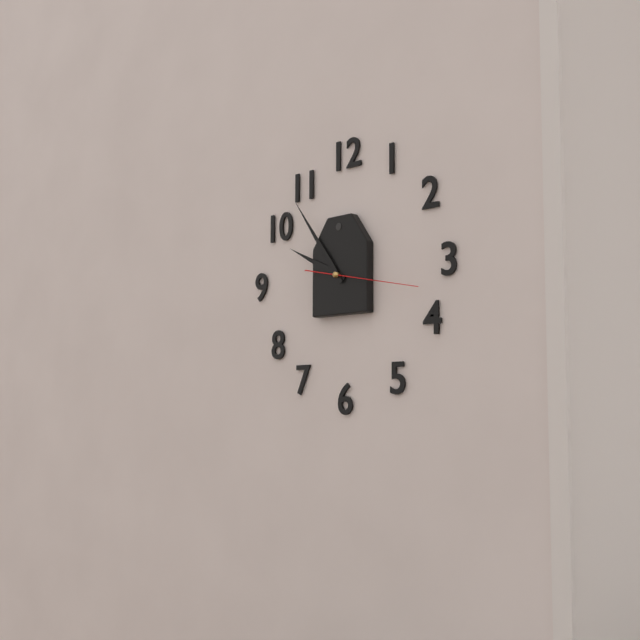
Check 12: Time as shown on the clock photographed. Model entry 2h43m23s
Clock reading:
9h54m17s
